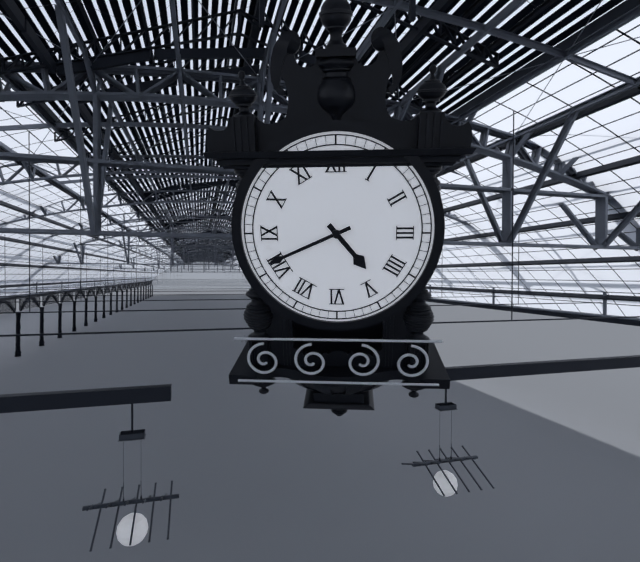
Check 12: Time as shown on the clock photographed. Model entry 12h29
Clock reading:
4h41
